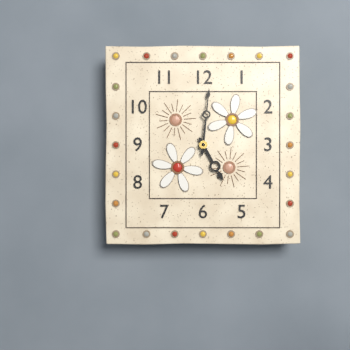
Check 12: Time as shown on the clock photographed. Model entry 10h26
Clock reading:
5h01
